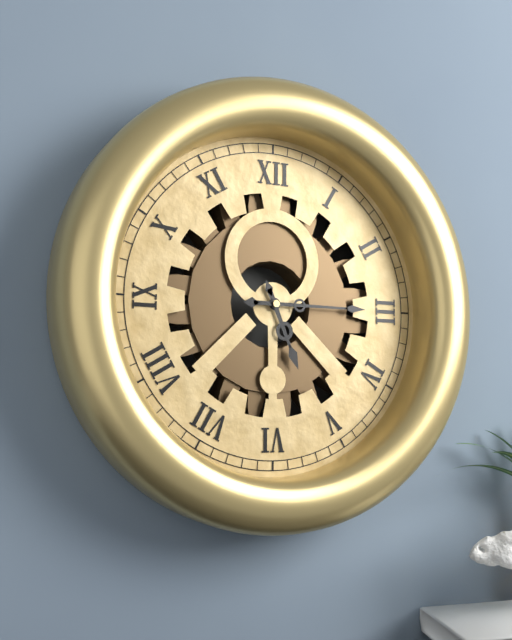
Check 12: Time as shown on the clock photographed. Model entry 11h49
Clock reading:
5h15
